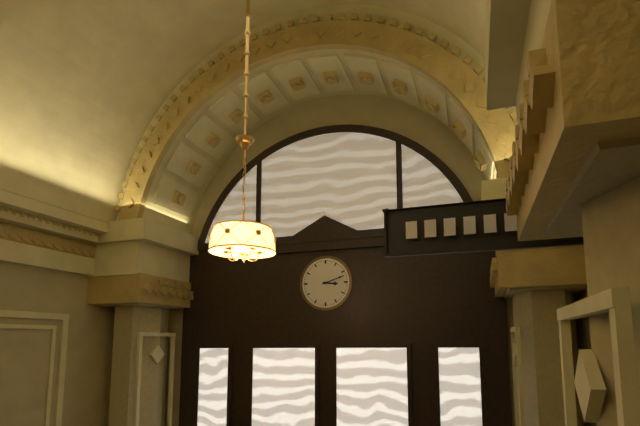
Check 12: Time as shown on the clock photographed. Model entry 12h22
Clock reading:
3h12
